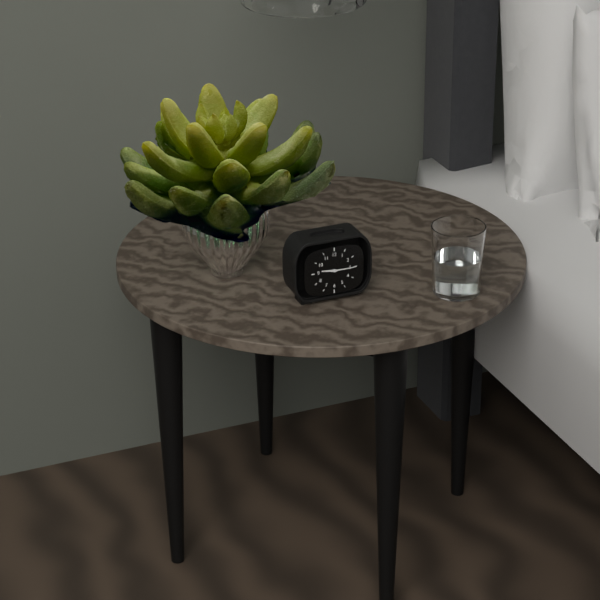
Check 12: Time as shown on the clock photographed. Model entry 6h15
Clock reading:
9h15
